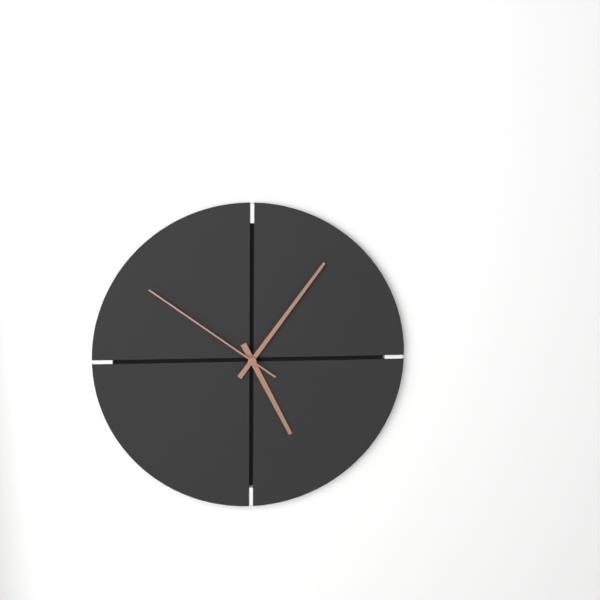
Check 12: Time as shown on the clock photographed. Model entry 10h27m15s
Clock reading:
5h06m51s
